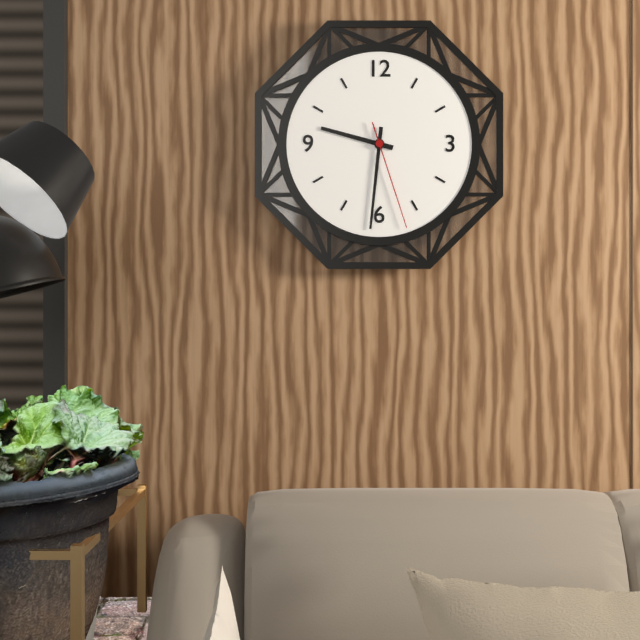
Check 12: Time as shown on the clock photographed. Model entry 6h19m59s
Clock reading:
9h31m27s
